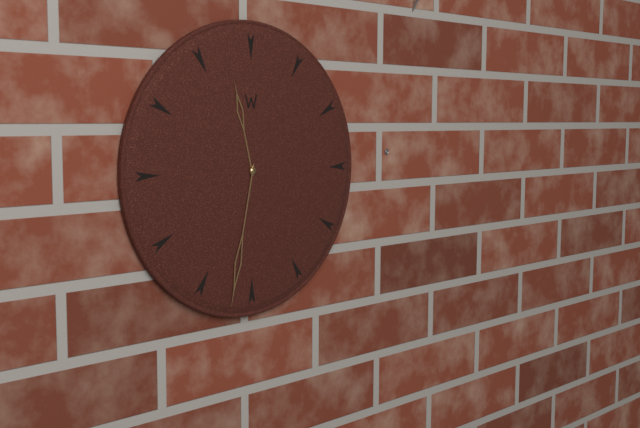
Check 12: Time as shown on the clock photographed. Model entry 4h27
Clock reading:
11h32
